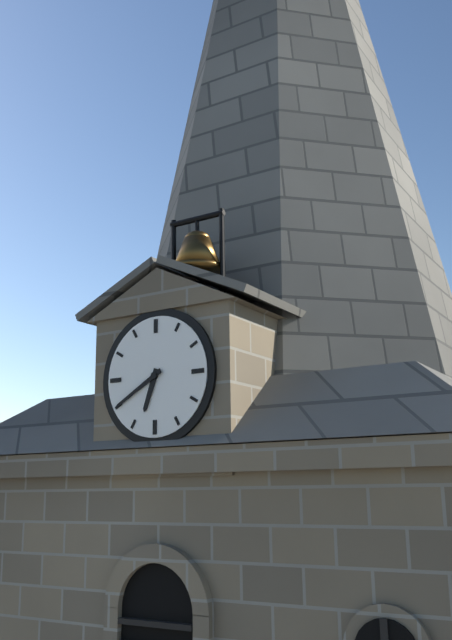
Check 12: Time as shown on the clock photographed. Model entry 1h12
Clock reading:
6h40
